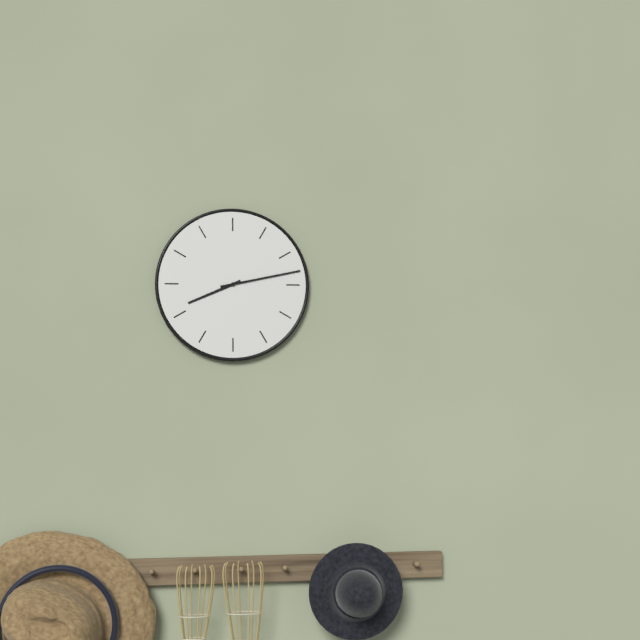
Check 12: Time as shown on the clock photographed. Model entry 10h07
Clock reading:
8h13
